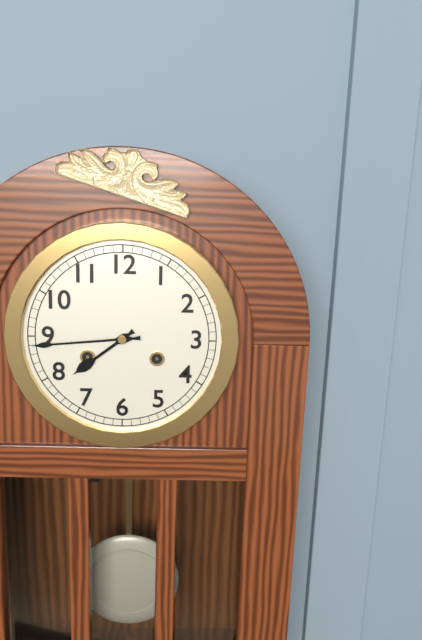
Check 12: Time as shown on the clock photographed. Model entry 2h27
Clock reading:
7h44
